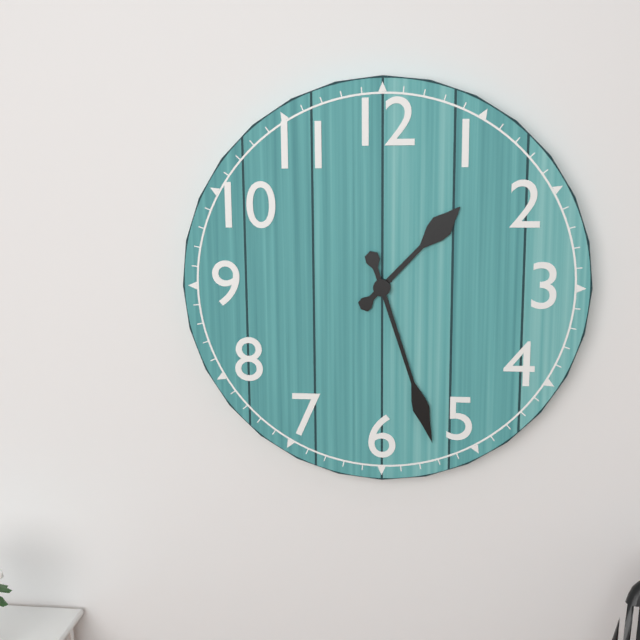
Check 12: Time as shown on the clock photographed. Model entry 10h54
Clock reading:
1h27
